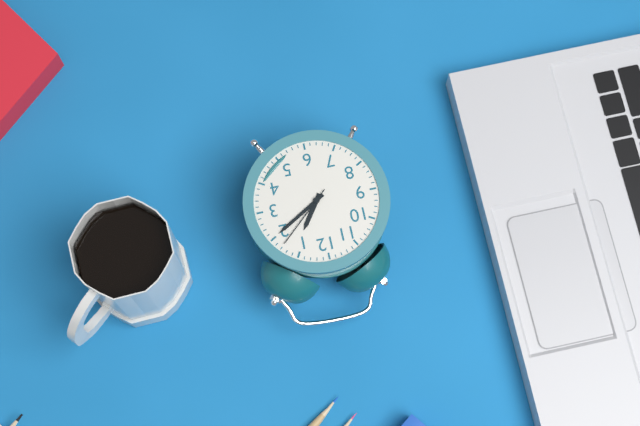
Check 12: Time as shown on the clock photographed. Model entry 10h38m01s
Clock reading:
1h10m08s
